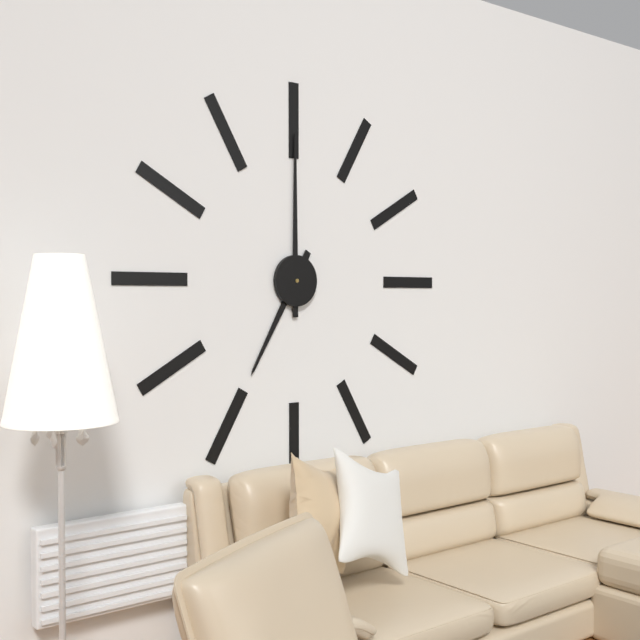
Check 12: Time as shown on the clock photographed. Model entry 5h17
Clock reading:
7h00
